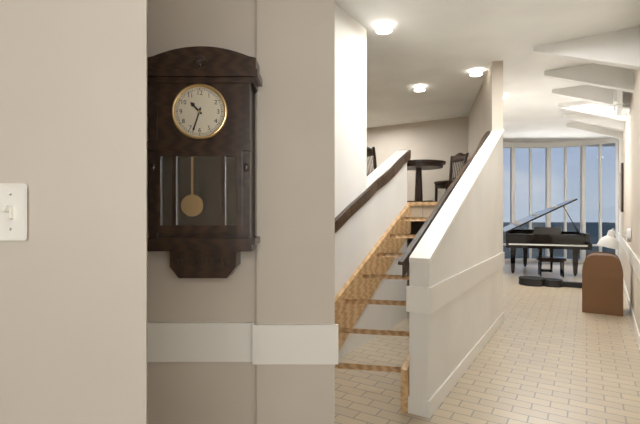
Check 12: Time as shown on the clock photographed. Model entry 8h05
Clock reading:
10h33
